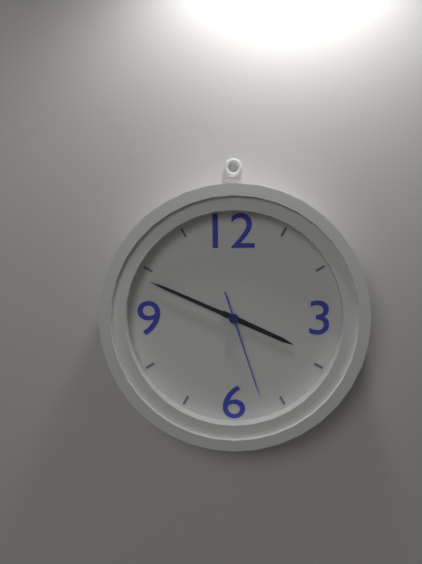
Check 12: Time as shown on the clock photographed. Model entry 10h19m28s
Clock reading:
3h49m27s
